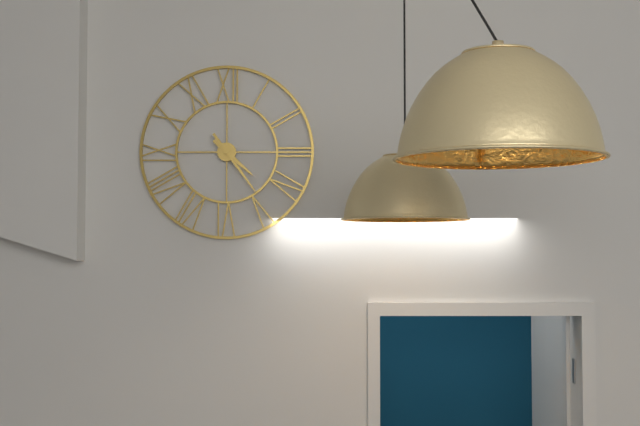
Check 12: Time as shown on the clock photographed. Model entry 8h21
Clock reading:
4h24
